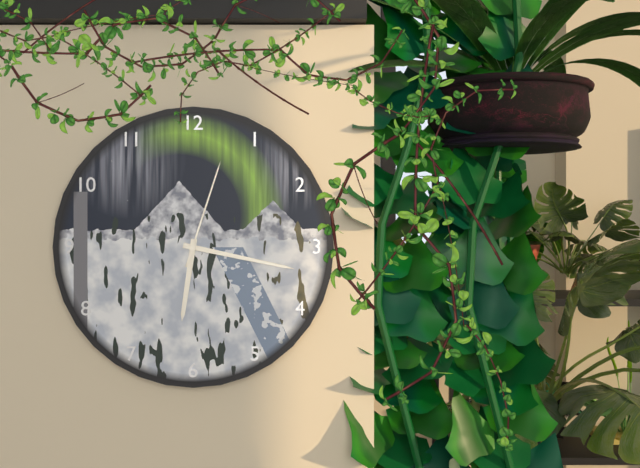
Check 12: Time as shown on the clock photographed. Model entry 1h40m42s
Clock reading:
6h17m03s
